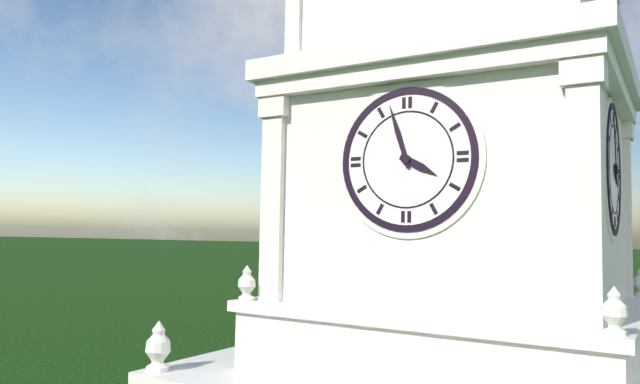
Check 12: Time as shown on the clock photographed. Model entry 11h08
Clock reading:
3h57
